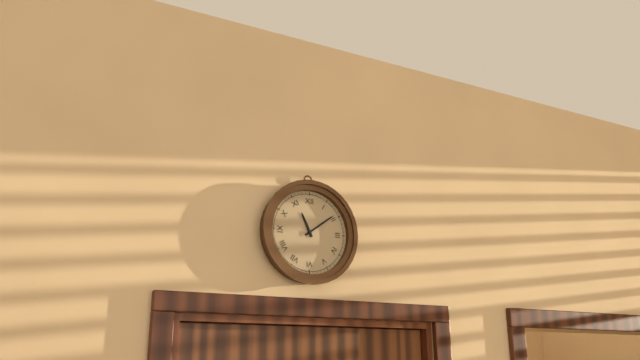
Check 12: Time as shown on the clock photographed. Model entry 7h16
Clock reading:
11h09
